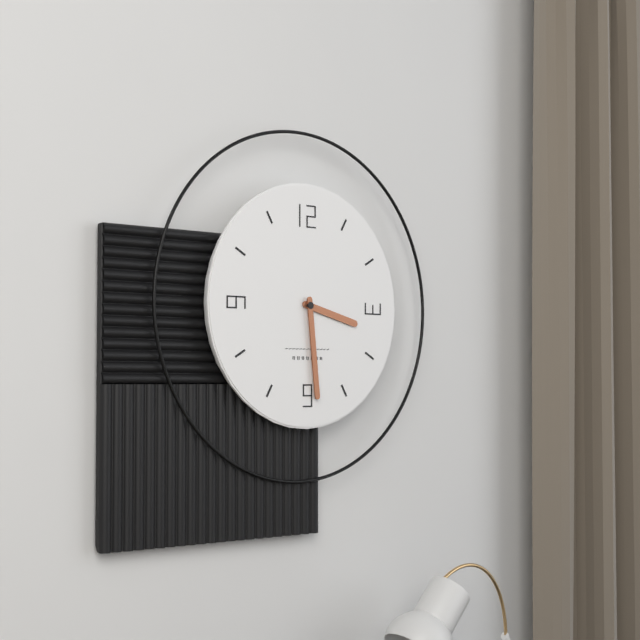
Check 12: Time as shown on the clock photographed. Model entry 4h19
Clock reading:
3h29
